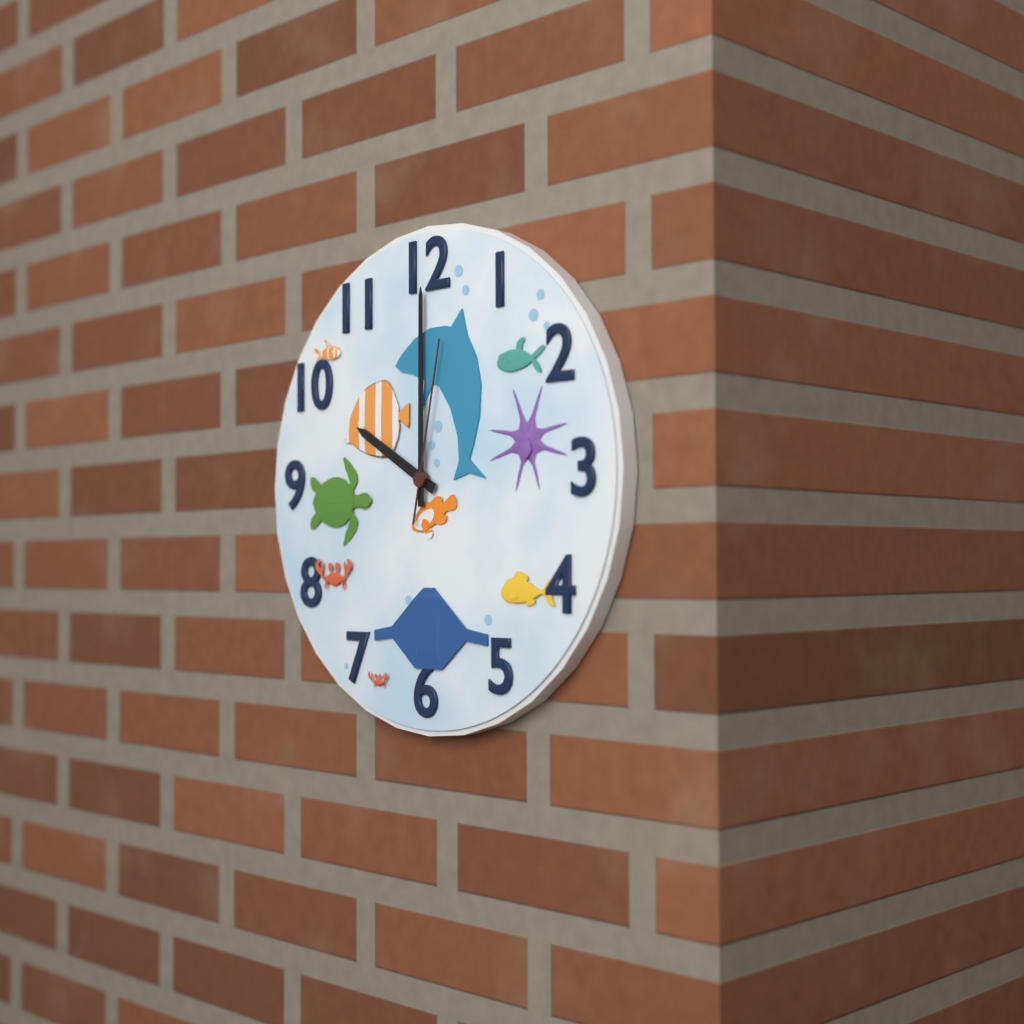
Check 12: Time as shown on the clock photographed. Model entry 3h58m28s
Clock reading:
10h00m02s
